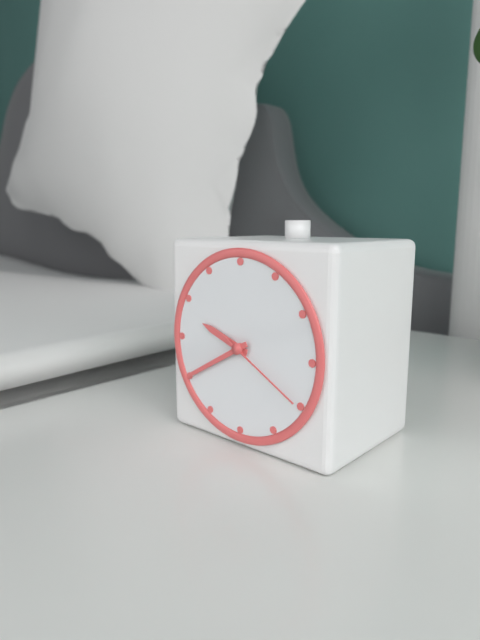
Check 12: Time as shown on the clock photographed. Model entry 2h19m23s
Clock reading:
9h40m20s
